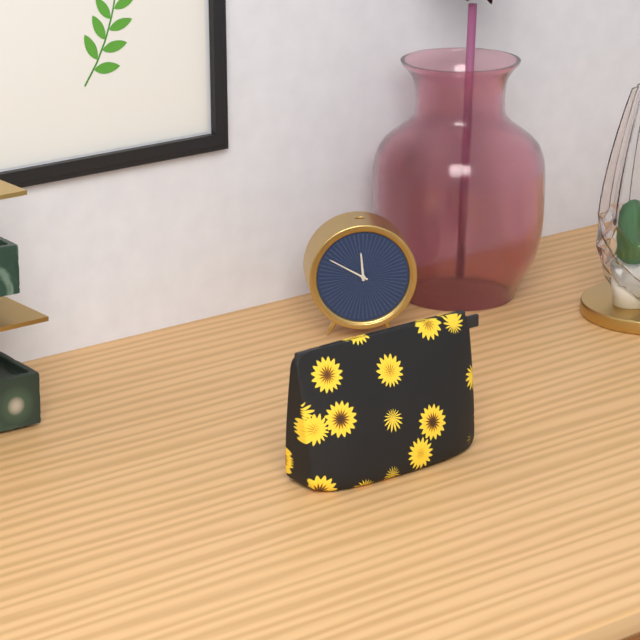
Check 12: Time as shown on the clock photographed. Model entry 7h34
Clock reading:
11h50
